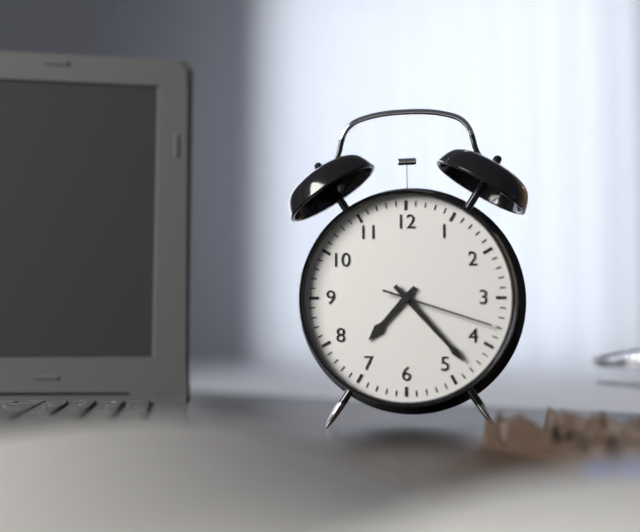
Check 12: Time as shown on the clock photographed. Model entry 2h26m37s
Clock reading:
7h23m18s
